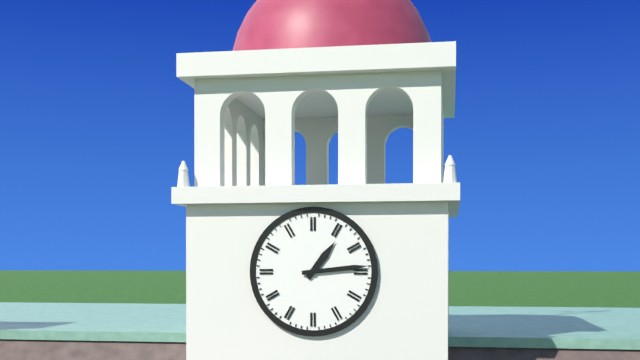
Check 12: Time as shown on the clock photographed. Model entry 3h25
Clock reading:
1h14
